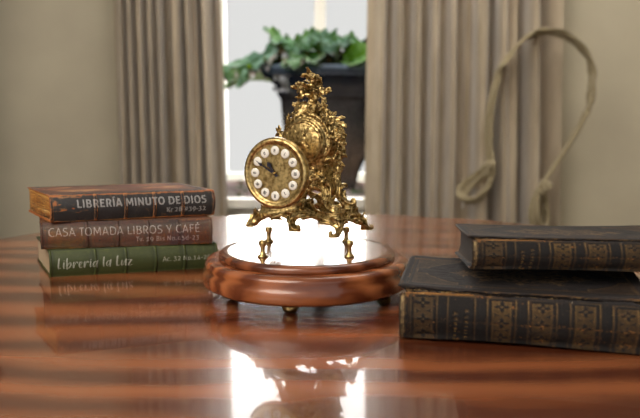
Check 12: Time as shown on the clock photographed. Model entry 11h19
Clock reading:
10h50
